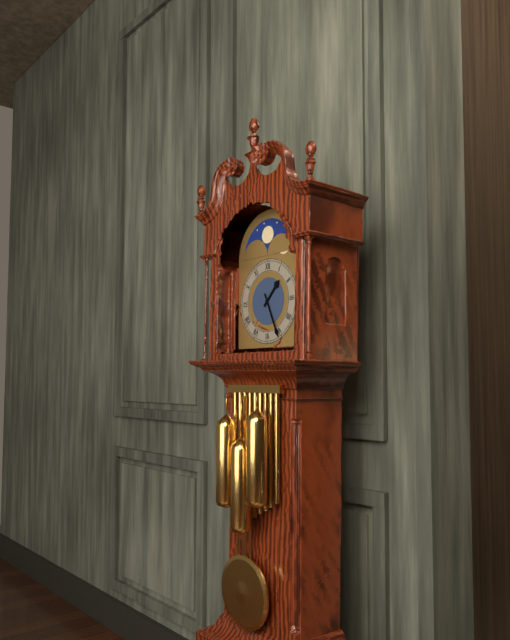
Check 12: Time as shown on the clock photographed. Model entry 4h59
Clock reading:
1h26
